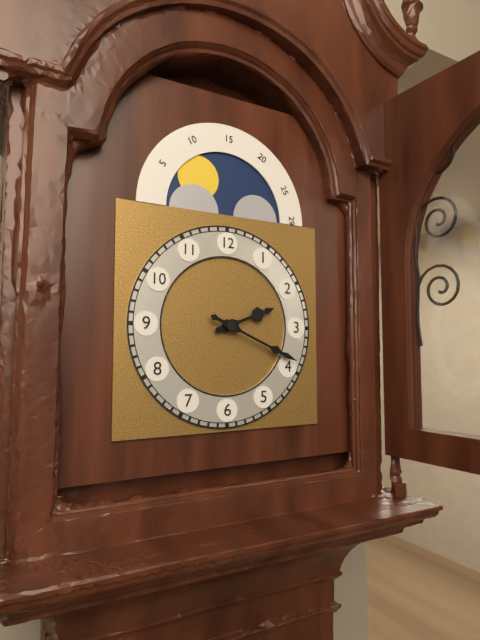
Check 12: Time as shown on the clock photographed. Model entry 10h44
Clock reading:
2h19
